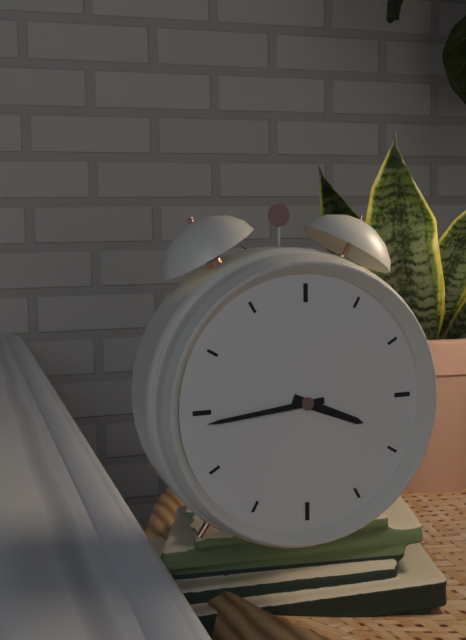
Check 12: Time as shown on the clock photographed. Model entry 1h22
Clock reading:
3h44
